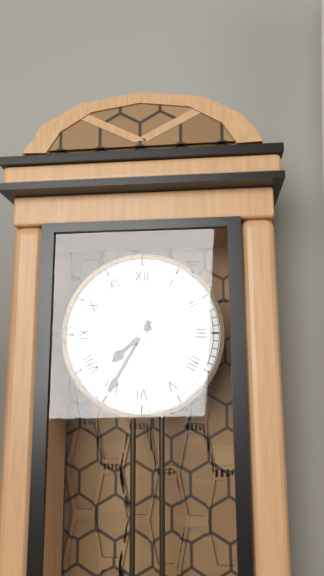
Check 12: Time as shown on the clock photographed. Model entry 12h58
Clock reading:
7h35
